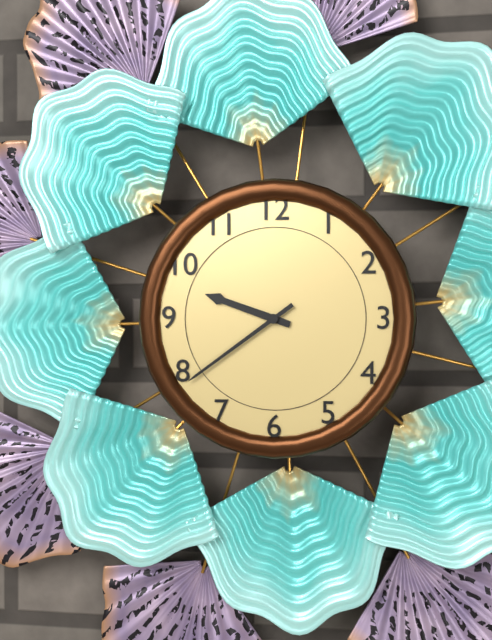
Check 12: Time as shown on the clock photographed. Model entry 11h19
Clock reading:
9h39
